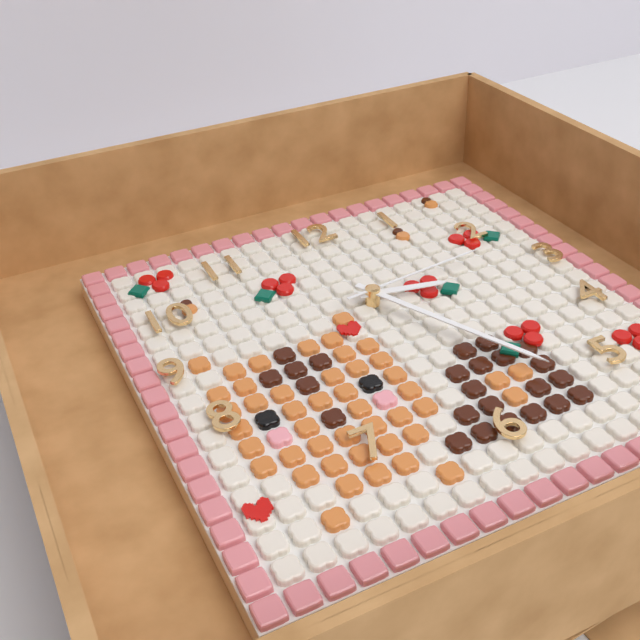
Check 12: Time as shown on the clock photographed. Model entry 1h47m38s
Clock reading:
3h26m14s
